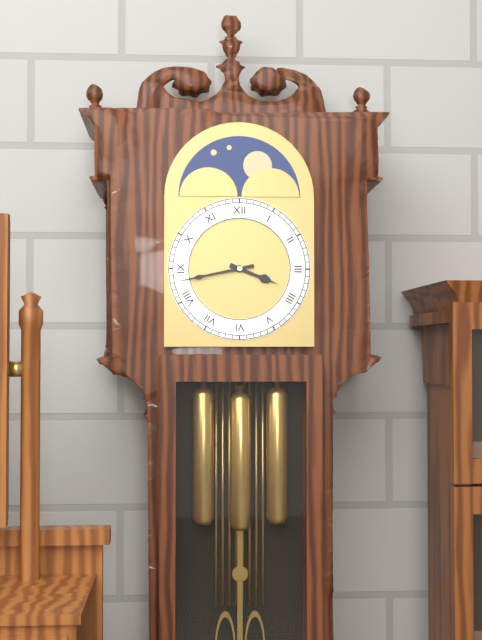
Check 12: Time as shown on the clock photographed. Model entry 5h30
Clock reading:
3h43
